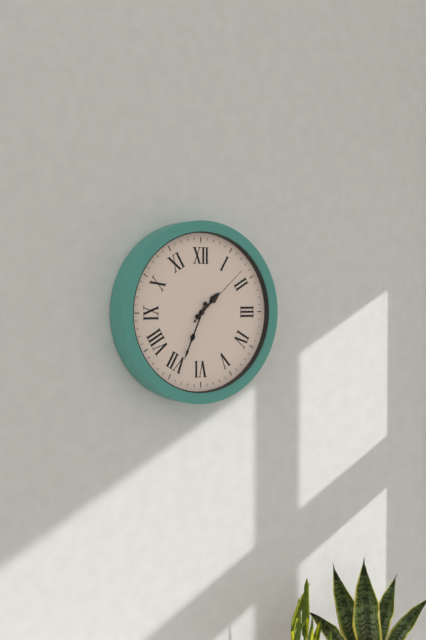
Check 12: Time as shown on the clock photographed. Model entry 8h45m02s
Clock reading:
1h34m08s
